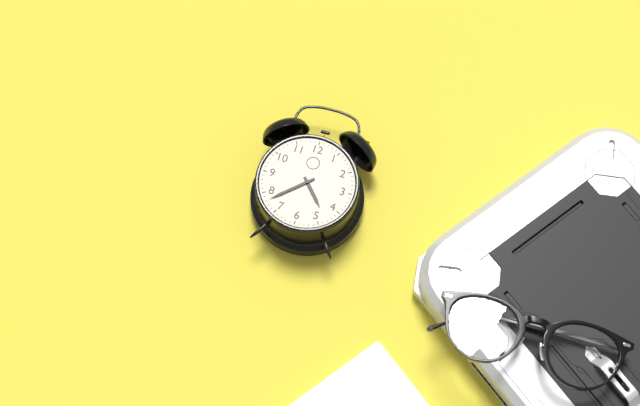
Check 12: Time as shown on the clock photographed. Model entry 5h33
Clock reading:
4h38
